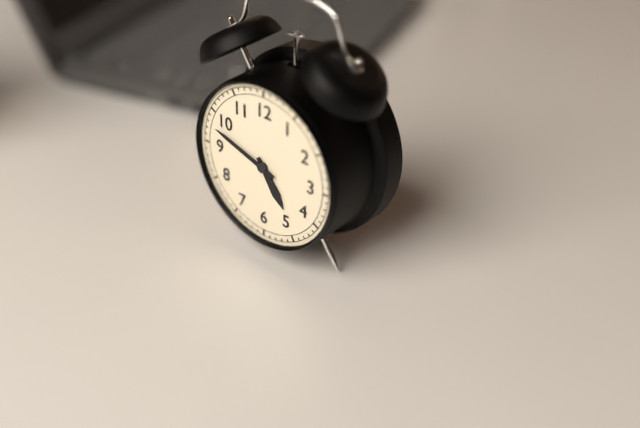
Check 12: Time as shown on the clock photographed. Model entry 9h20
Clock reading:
4h48
